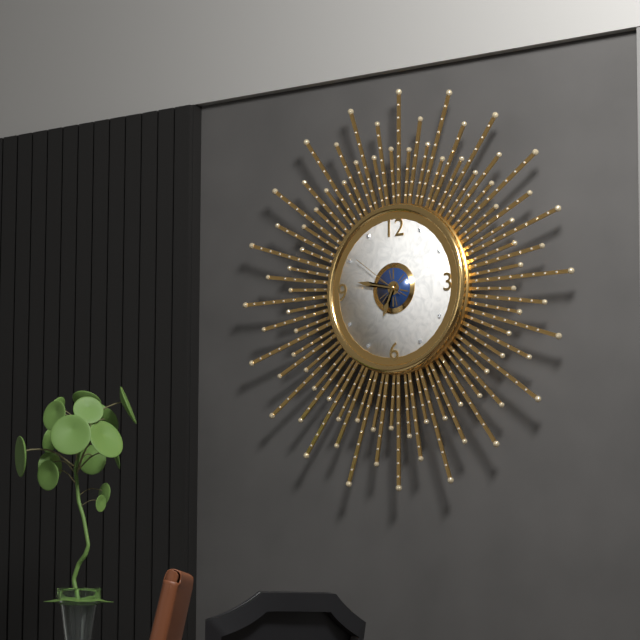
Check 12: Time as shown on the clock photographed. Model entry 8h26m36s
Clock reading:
6h47m51s
